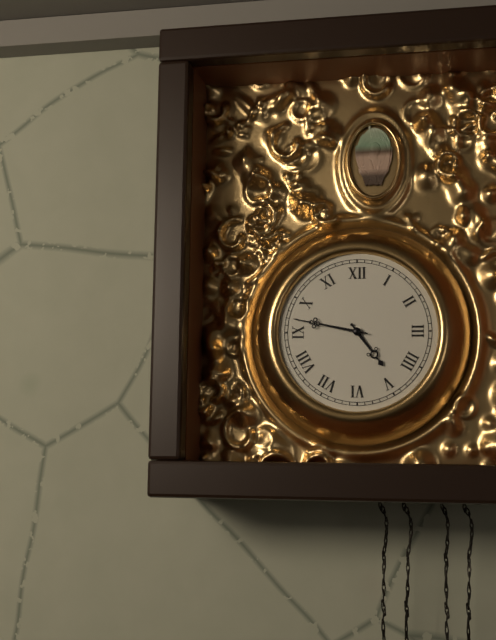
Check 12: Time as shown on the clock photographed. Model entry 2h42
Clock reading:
4h47
